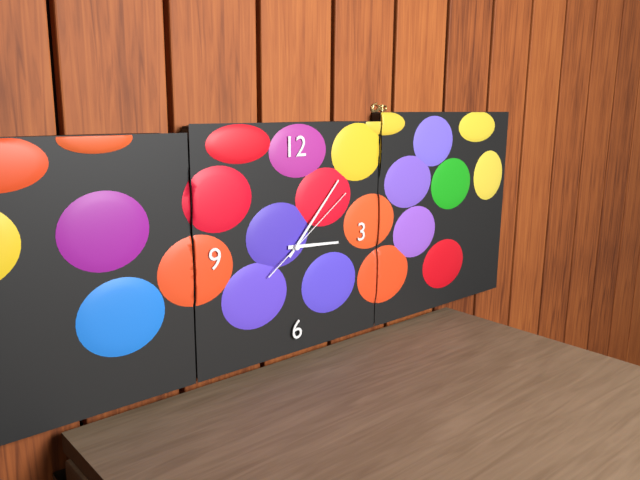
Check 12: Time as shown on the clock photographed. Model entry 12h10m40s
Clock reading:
3h07m09s
